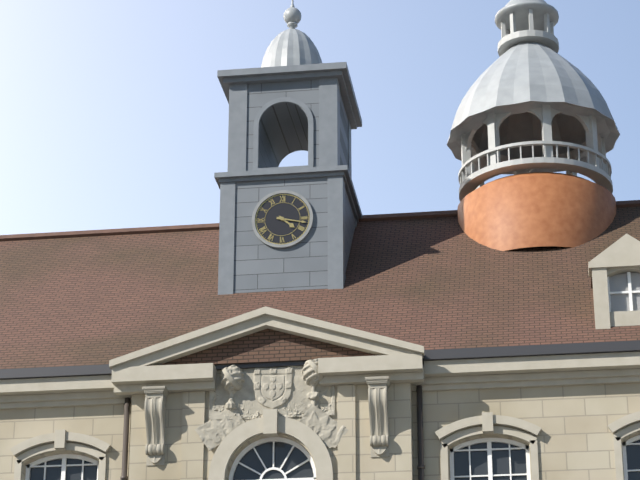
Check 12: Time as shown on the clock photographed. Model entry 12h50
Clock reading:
4h17
